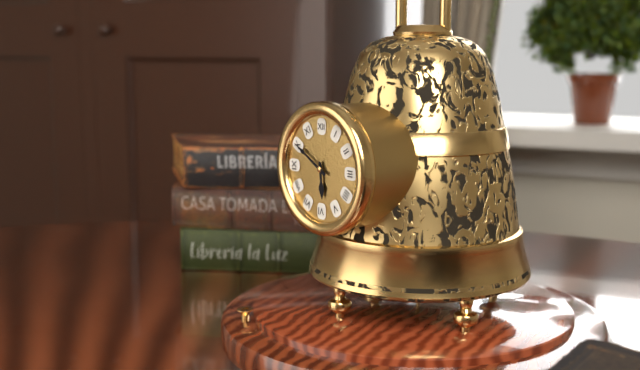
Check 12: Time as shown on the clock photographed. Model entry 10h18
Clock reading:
5h50
